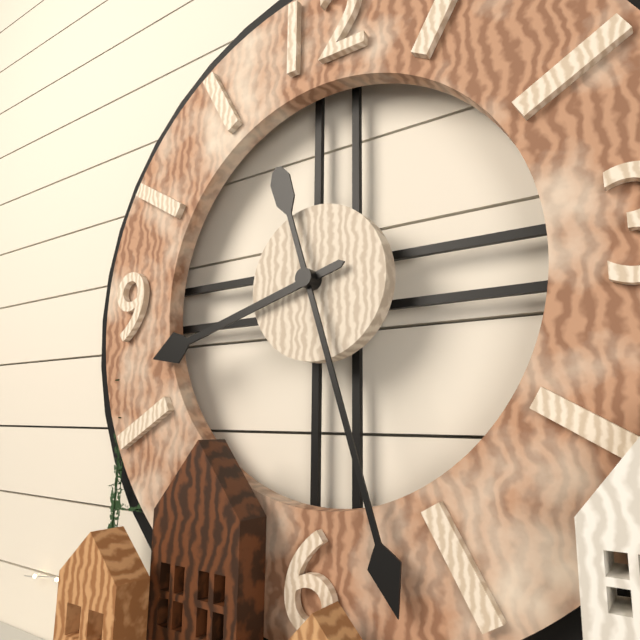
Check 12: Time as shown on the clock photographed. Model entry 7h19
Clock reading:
8h27
